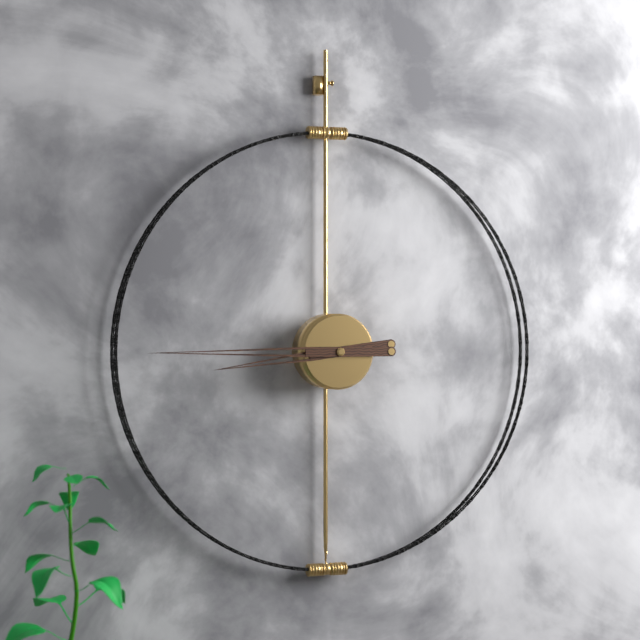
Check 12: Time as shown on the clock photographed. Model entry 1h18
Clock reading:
8h45
